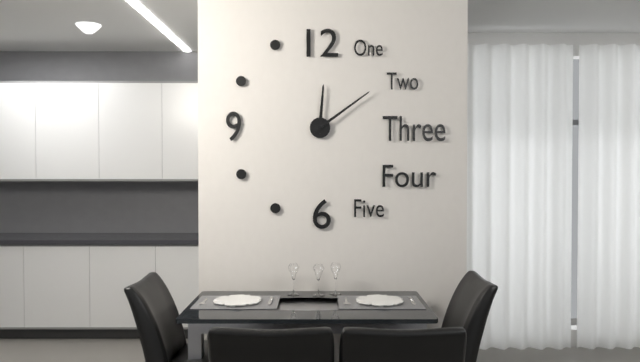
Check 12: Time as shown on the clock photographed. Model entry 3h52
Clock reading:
12h09
